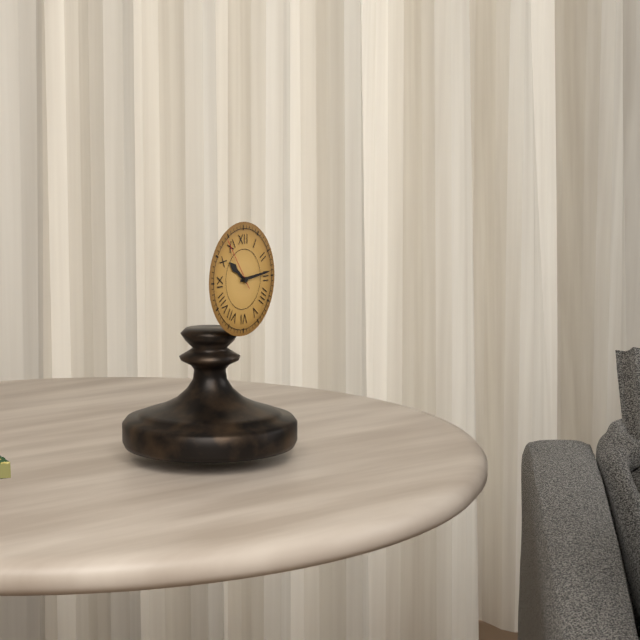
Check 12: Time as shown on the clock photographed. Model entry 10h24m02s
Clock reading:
10h14m54s
